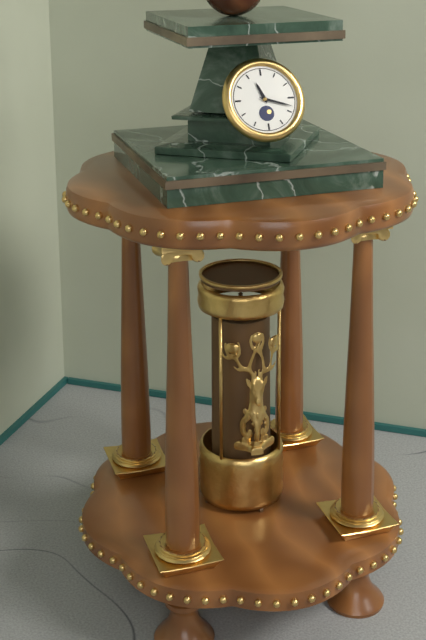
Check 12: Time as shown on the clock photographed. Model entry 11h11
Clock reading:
11h18
